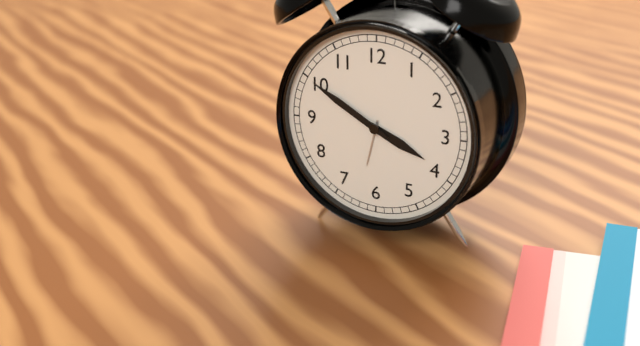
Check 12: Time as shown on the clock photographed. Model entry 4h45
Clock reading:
3h50
